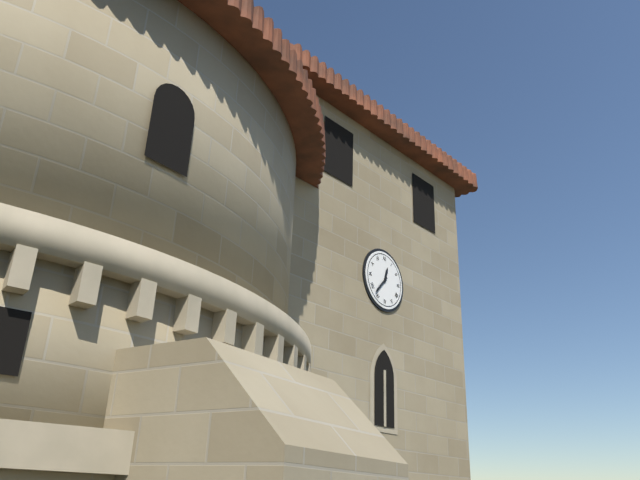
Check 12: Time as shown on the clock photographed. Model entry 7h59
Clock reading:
12h37
